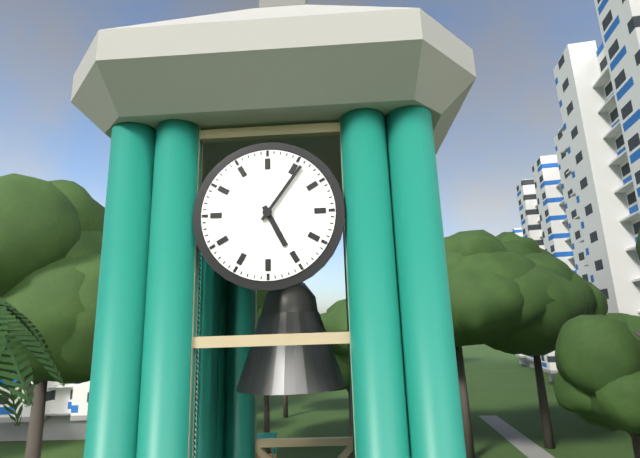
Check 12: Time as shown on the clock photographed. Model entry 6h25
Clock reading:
5h06
